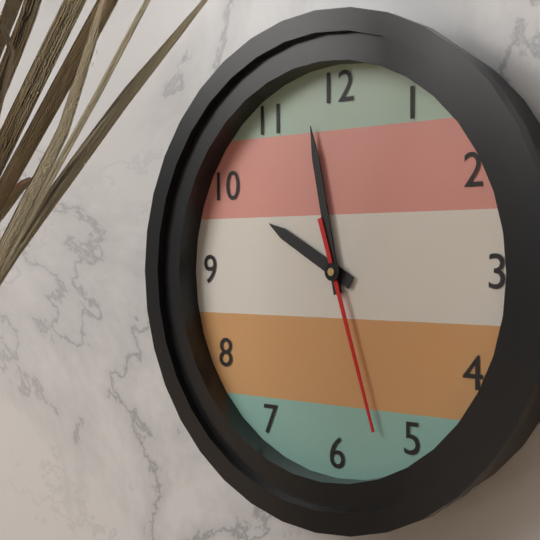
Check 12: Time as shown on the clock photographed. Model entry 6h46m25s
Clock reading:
9h58m27s
